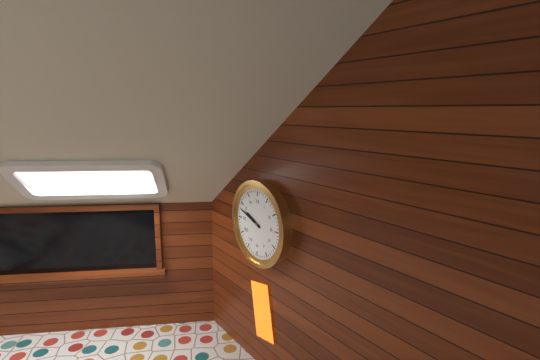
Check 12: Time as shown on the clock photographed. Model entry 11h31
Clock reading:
9h48
